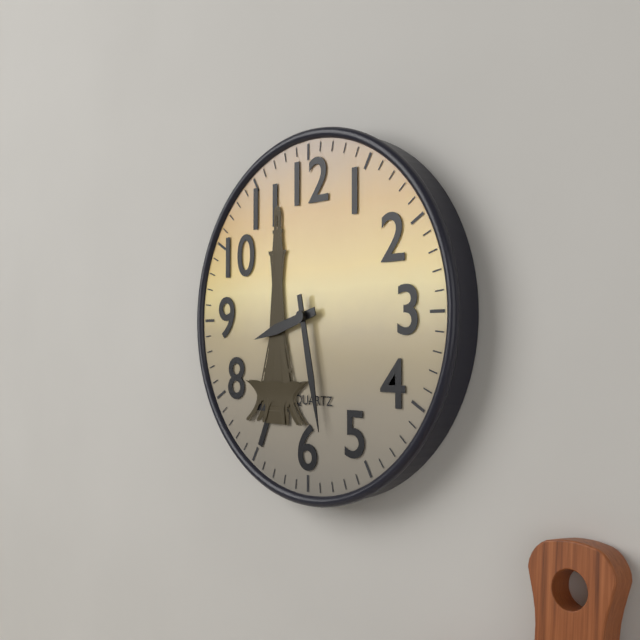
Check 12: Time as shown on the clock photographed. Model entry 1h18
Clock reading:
8h28
